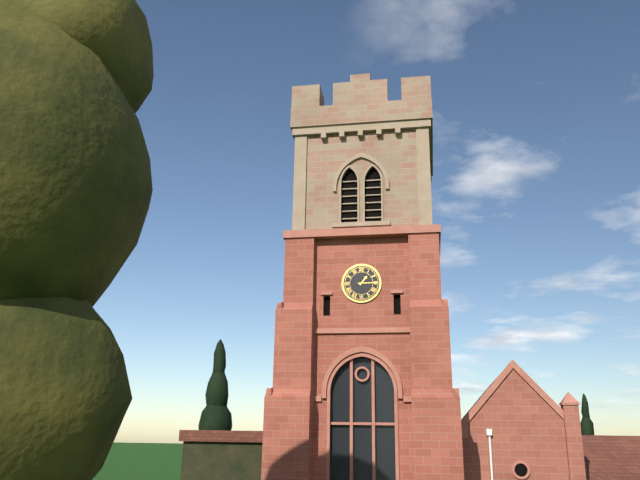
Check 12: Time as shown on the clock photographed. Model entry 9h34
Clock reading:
1h15
